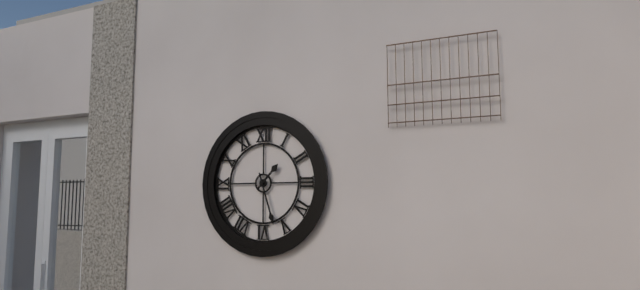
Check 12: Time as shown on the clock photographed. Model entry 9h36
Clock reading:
1h27
